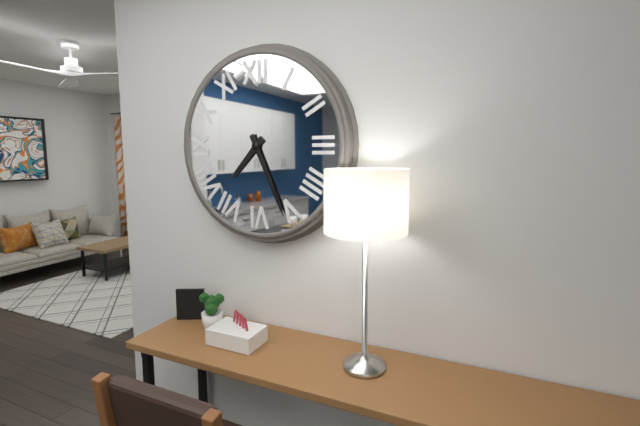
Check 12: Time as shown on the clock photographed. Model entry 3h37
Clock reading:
7h26
